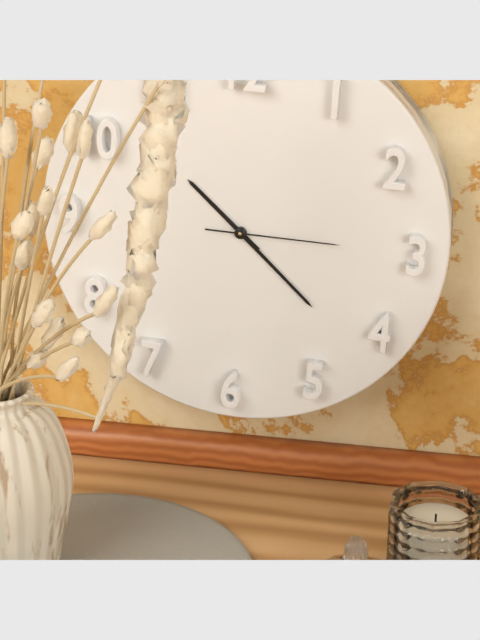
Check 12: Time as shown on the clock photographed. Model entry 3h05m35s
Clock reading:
10h22m15s
